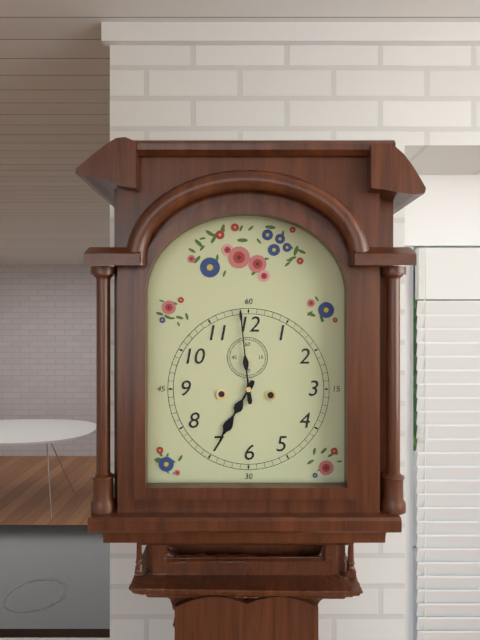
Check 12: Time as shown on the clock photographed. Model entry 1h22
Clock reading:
6h59
